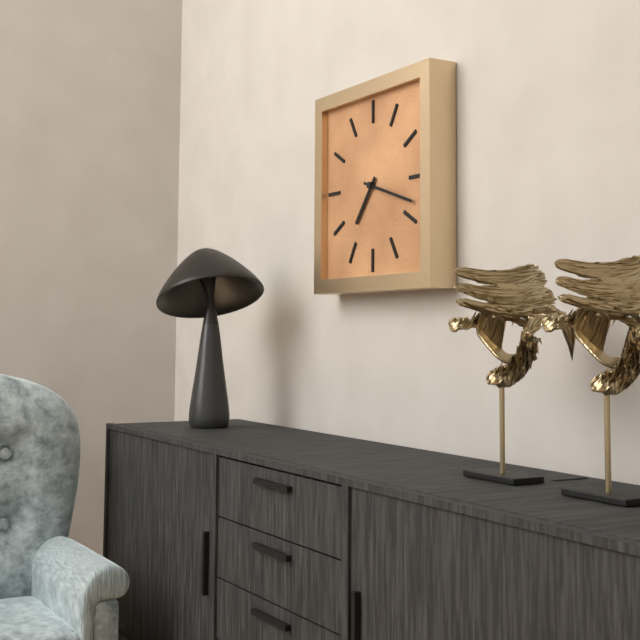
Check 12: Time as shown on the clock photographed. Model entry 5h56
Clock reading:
7h18
